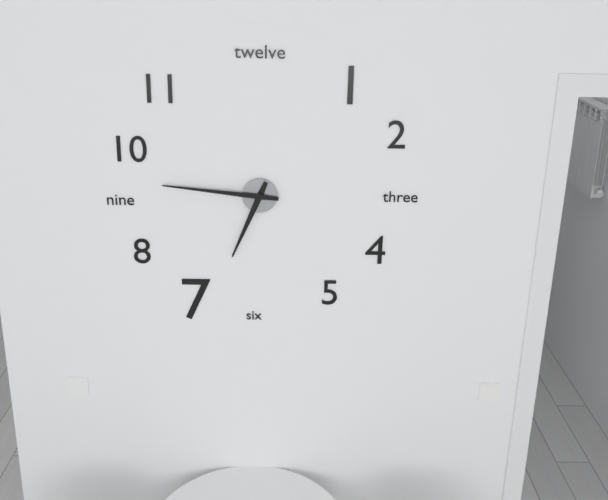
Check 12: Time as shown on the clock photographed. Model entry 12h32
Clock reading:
6h46
